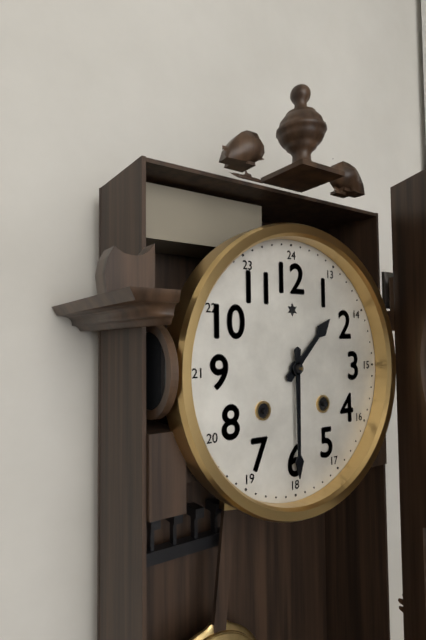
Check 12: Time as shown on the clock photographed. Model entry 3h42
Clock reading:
1h30
